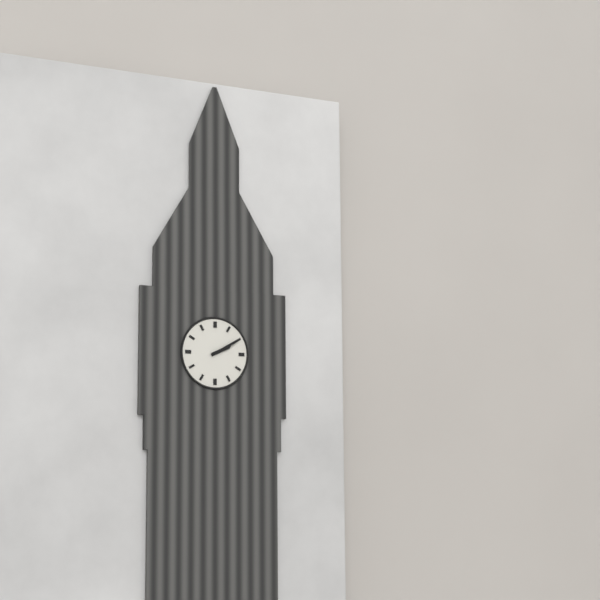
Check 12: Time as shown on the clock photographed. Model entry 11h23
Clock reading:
2h10
